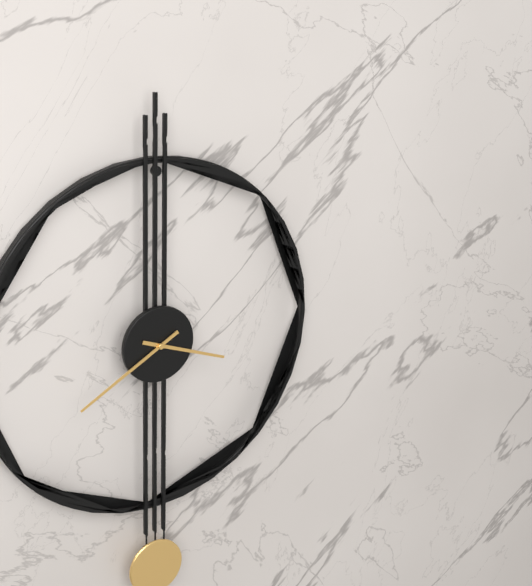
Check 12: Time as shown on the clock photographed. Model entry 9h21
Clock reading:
3h40
